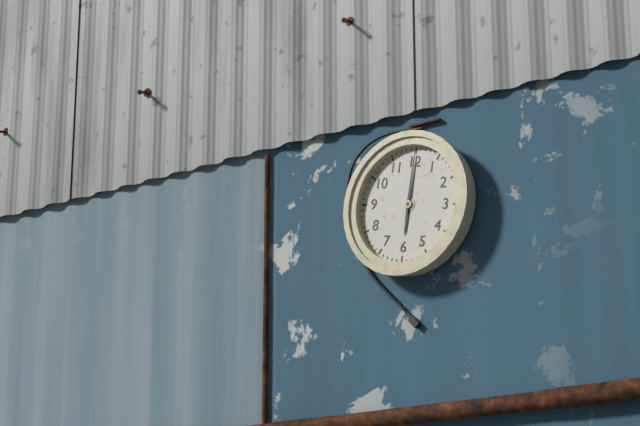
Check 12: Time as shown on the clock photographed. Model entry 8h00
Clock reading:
6h00
